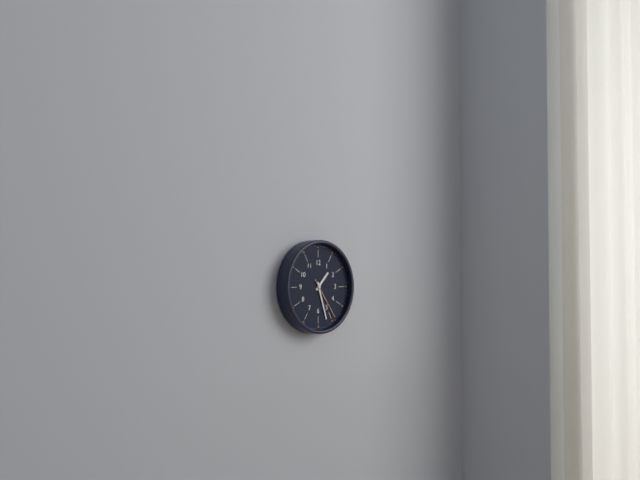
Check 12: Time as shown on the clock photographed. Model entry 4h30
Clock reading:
1h27
